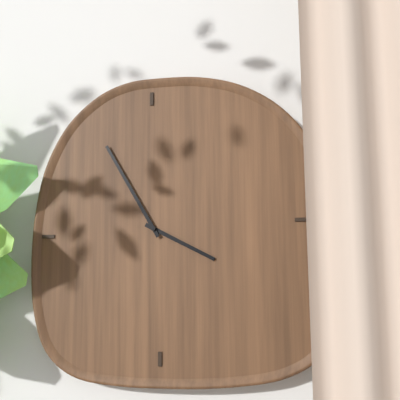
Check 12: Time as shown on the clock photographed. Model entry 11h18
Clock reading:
3h55
